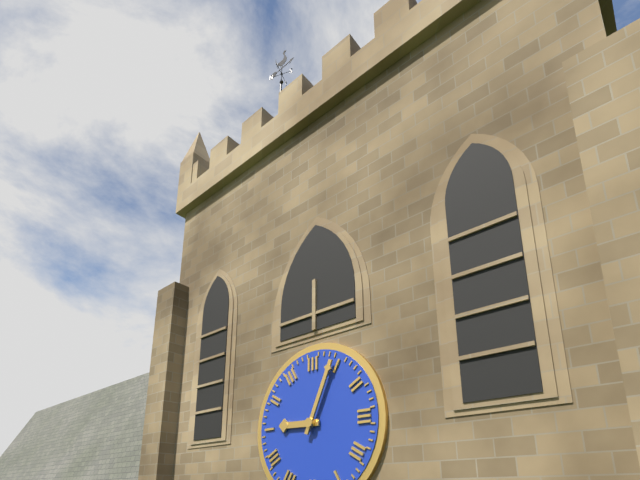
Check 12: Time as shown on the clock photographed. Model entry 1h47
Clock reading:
9h04
